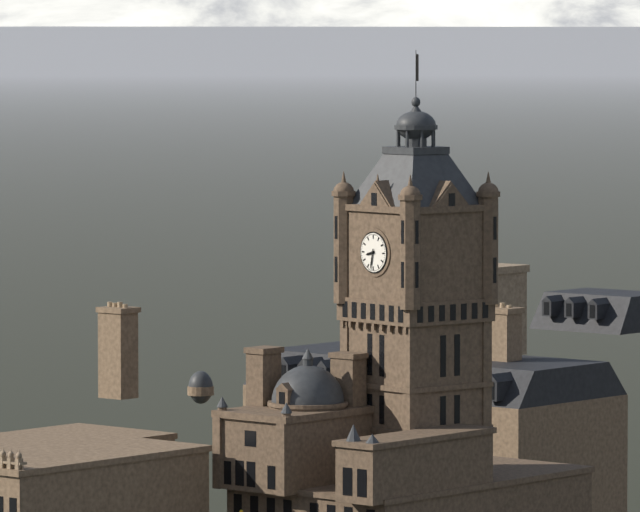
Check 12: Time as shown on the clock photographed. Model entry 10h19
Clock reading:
8h32
